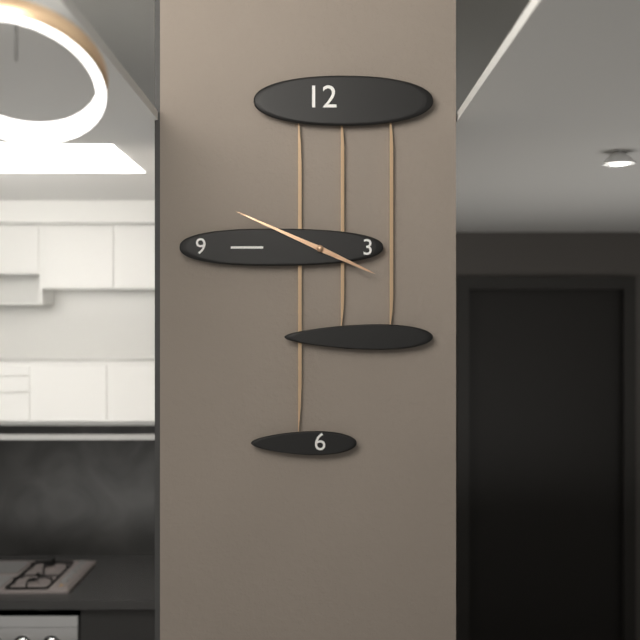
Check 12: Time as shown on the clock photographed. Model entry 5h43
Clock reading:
3h49
